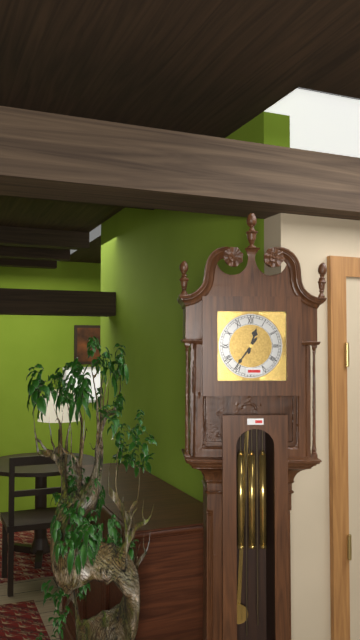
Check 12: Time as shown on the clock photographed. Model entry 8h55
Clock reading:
12h36
